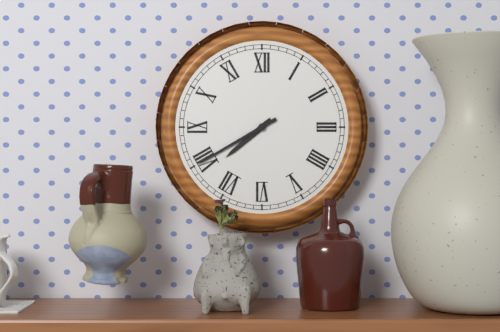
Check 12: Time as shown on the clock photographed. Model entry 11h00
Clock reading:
7h40
